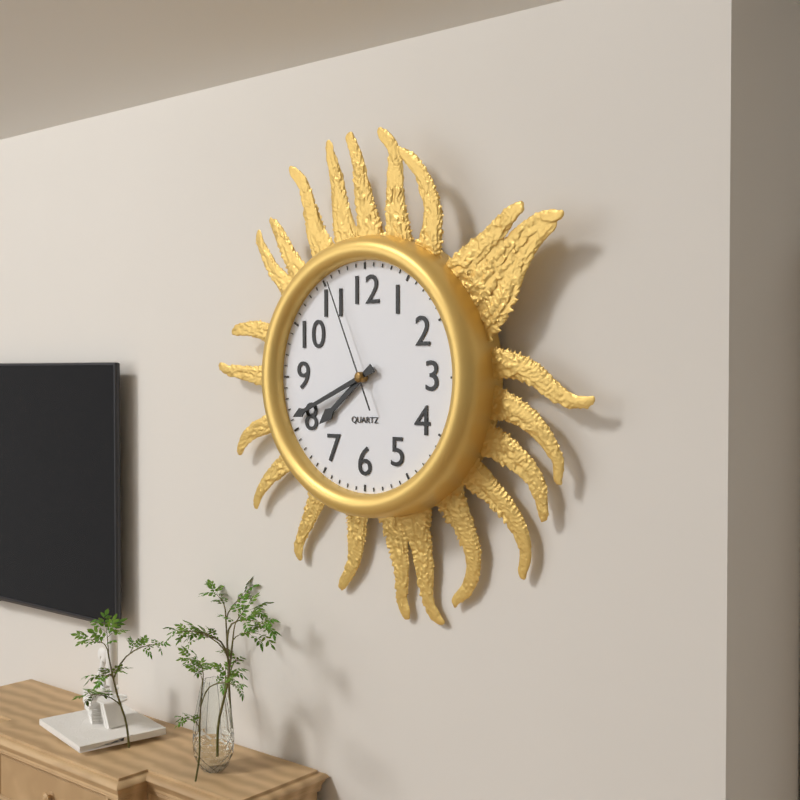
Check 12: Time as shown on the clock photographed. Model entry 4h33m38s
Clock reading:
7h41m56s
